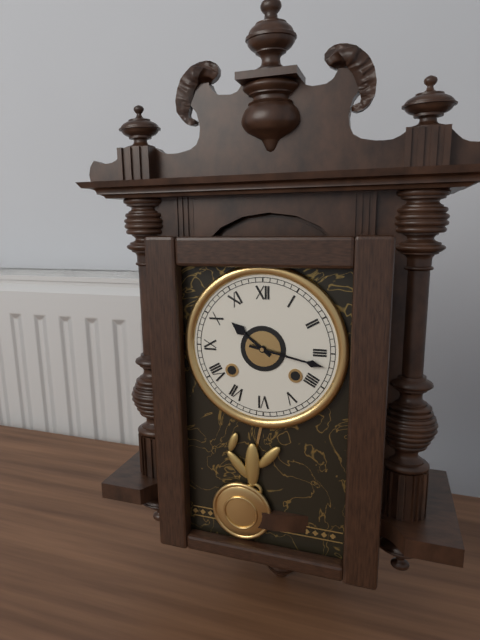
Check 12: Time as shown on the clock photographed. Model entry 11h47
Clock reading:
10h17
